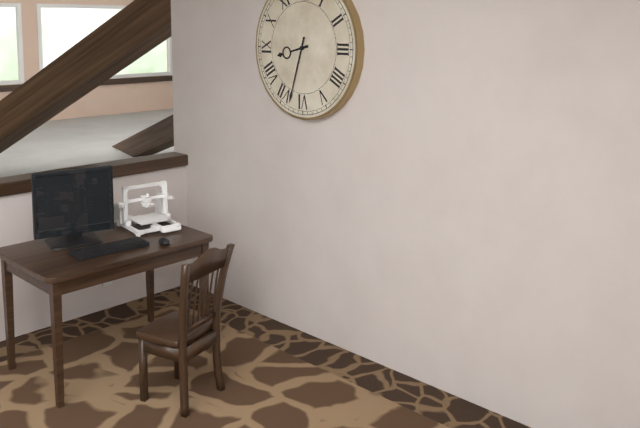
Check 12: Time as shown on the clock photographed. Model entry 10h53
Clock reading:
8h33
